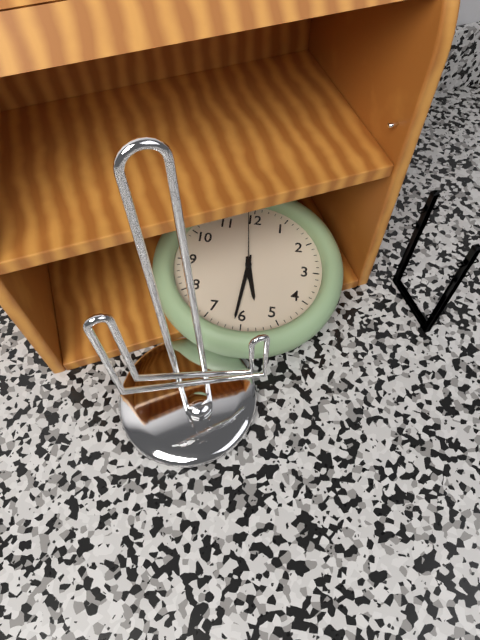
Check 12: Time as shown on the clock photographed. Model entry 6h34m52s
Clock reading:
5h31m59s
